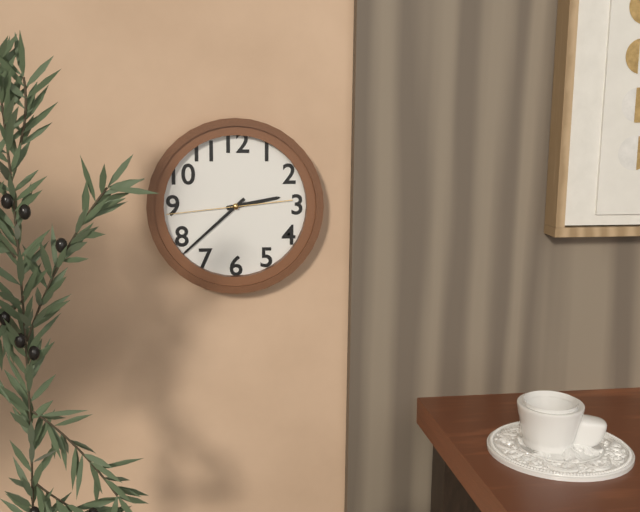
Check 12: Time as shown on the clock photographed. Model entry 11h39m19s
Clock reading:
2h38m44s
